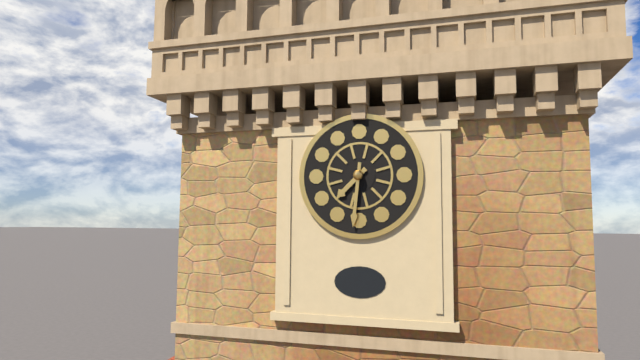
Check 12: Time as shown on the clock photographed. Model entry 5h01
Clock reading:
7h31
